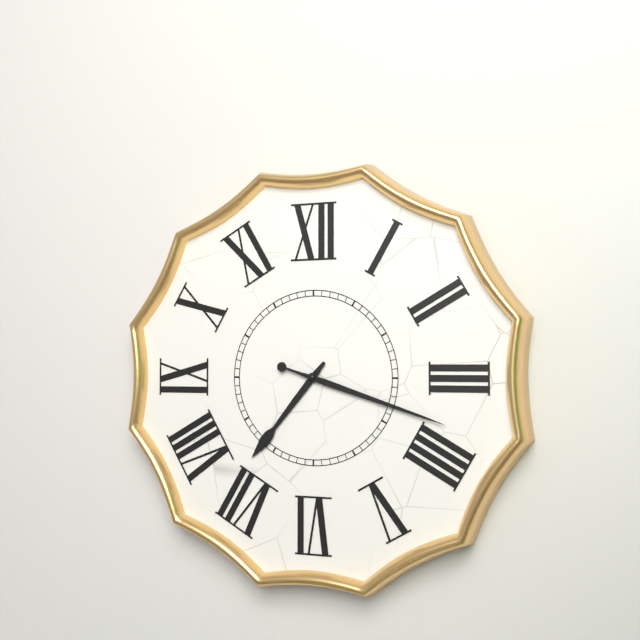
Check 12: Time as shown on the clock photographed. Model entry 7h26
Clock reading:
7h18
